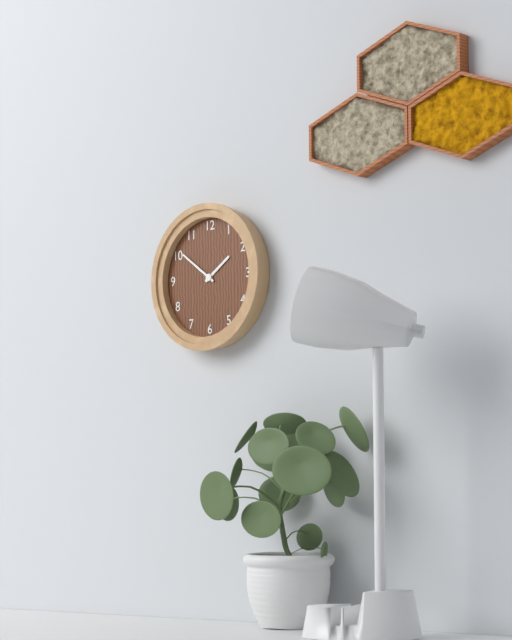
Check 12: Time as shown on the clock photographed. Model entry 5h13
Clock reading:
1h51
